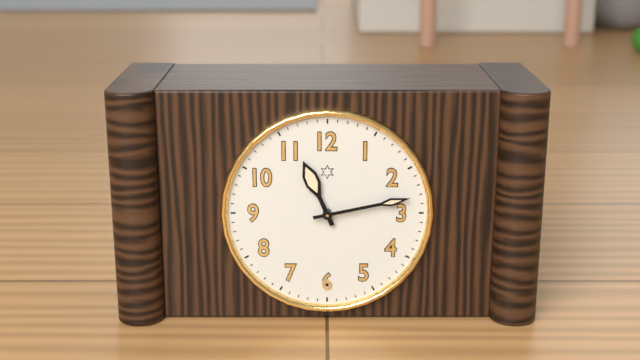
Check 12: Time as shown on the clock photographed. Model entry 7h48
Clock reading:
11h13
